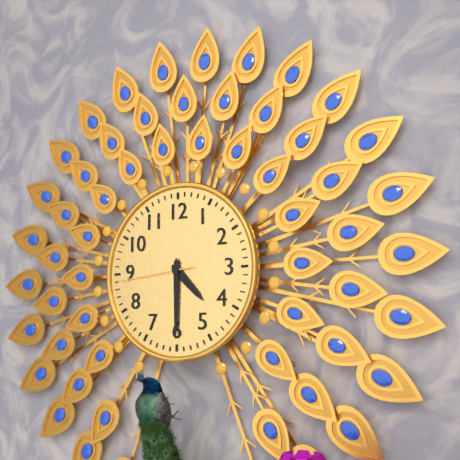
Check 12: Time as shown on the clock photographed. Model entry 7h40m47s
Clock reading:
4h30m44s
